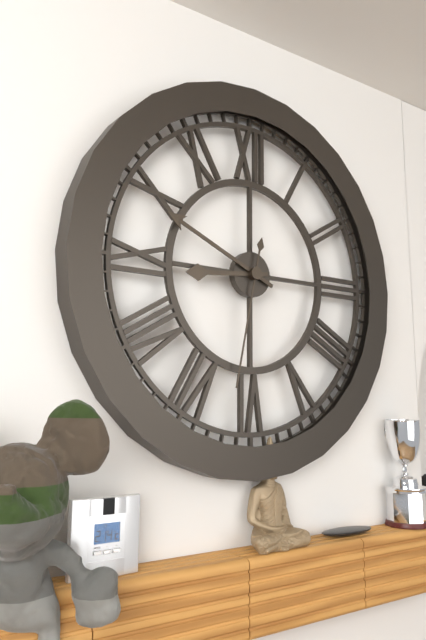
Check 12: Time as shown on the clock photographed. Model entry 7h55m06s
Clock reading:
8h49m32s
